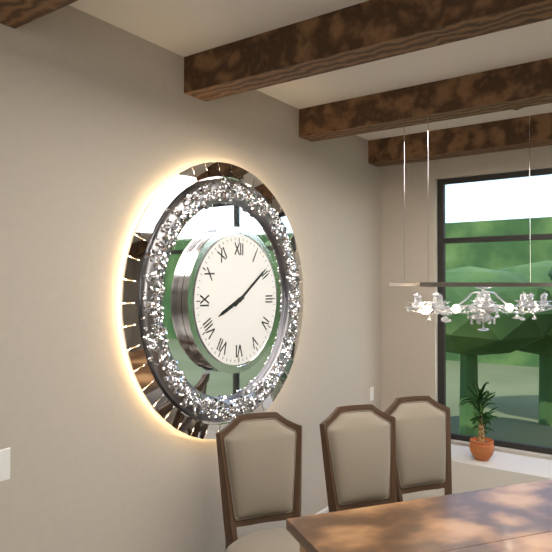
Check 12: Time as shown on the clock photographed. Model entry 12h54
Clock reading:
8h09
